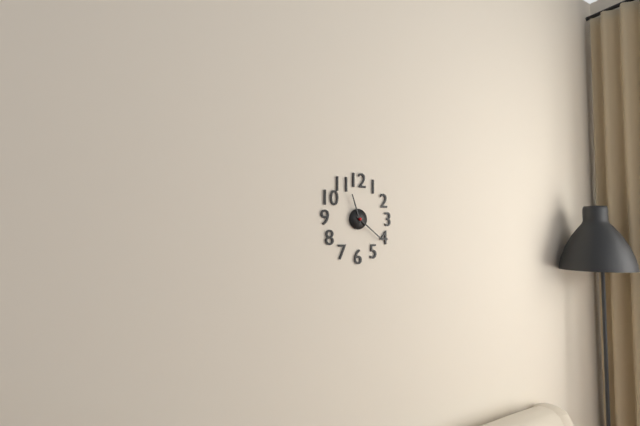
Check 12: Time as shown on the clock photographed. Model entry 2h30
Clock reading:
11h21
